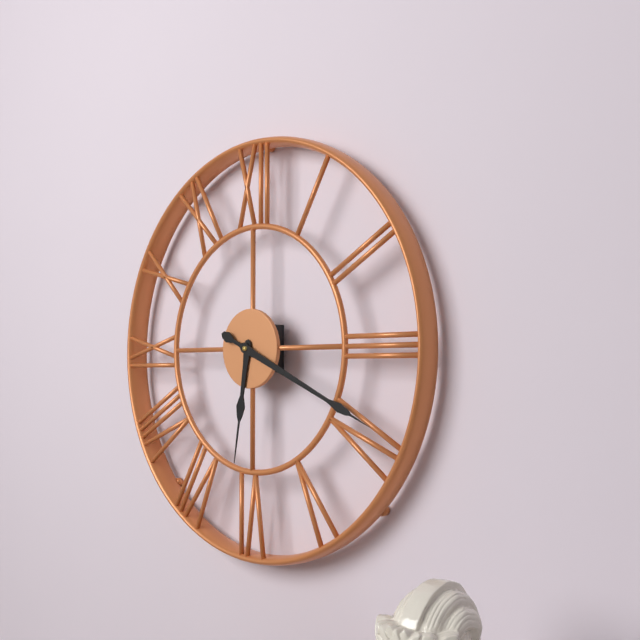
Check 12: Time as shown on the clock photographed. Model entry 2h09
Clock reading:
6h19
